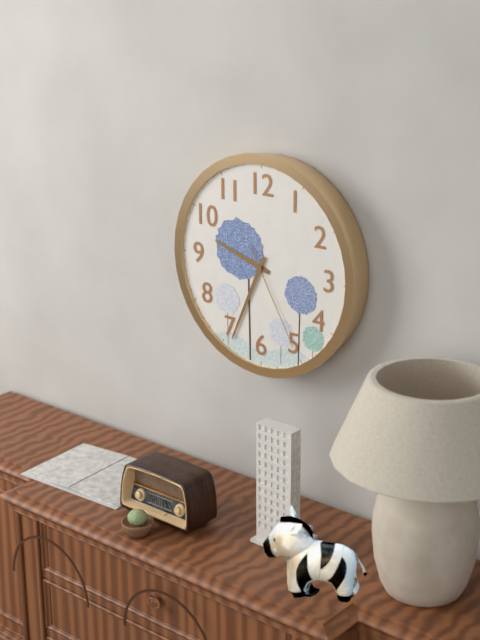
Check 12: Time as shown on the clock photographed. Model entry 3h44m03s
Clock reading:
9h34m25s
